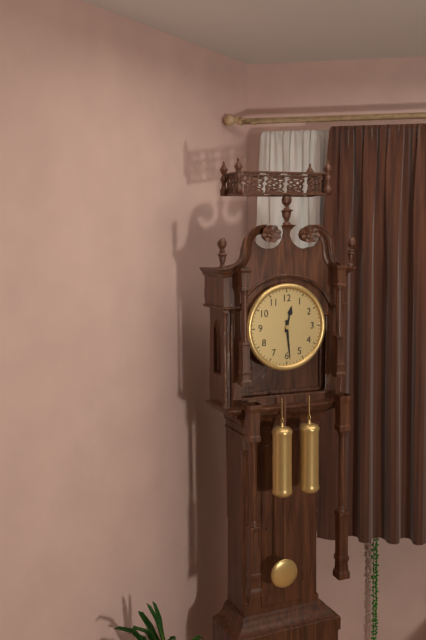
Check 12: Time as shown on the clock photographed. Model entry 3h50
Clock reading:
12h29
